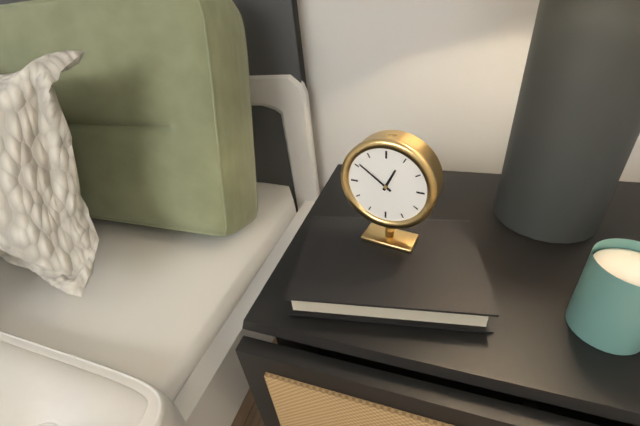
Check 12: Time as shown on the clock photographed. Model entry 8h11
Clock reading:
12h51
